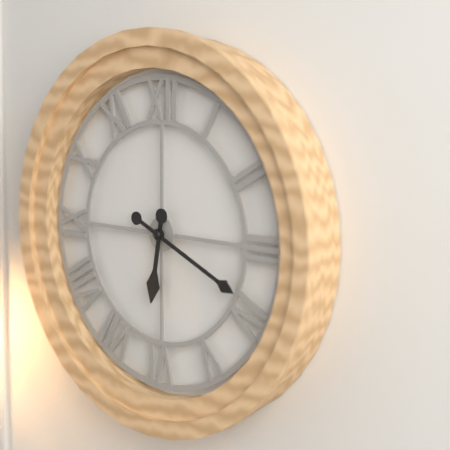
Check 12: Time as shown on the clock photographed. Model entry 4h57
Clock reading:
6h19
